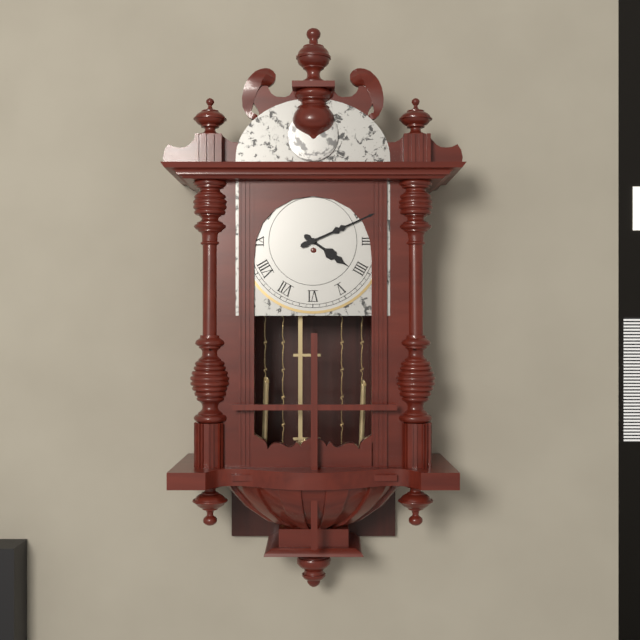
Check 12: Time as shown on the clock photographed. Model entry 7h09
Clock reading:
4h11
